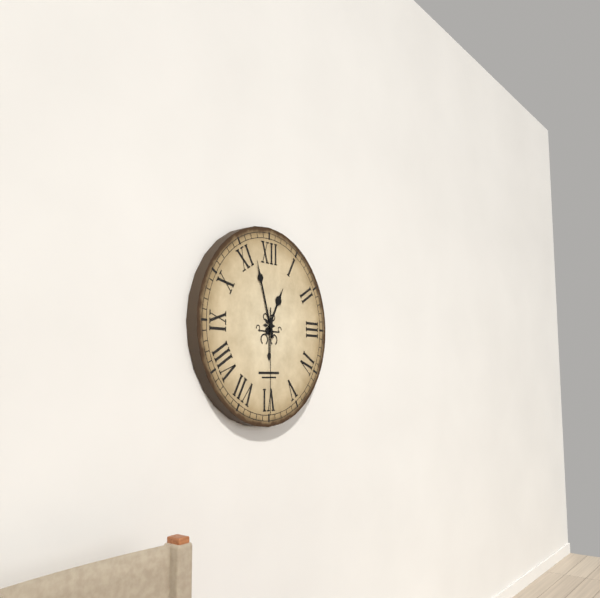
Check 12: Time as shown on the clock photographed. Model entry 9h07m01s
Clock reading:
12h57m30s
